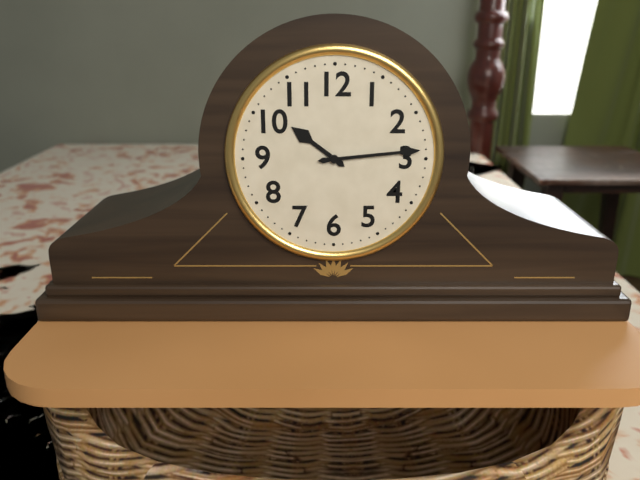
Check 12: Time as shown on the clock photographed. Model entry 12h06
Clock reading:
10h14
